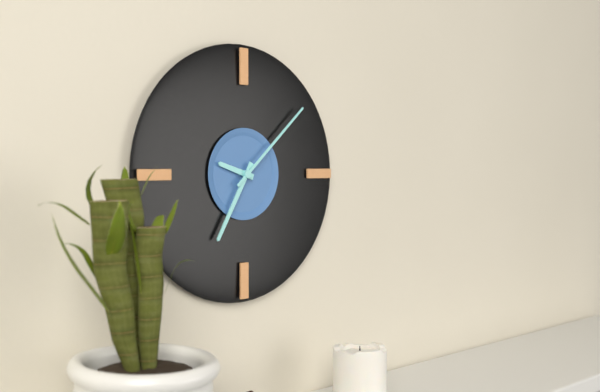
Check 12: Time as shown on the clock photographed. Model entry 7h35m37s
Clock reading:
9h35m08s
